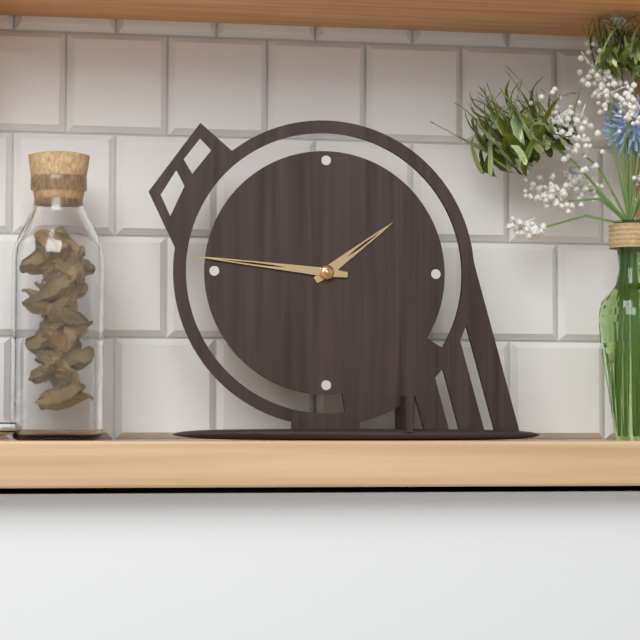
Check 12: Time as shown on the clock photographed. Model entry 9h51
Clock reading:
1h46
